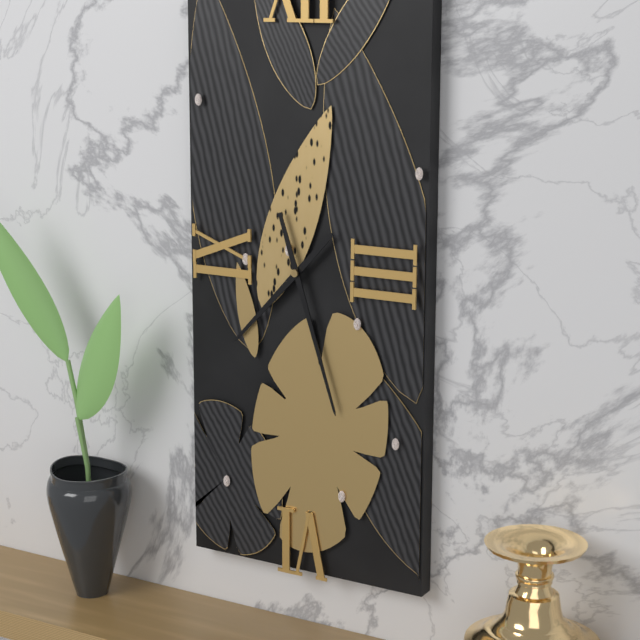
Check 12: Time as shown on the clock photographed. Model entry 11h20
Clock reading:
7h27
